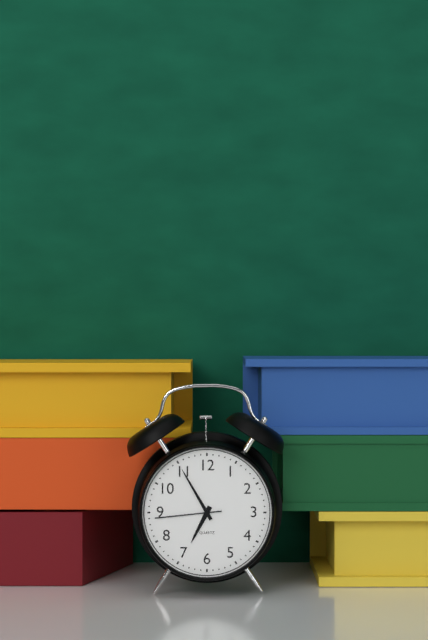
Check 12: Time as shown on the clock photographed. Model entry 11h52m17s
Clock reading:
6h55m44s
